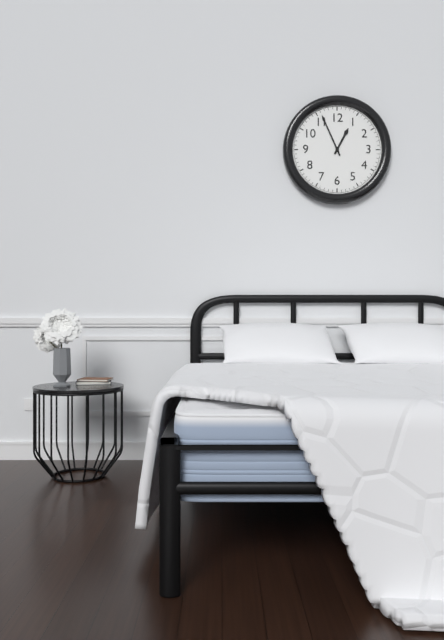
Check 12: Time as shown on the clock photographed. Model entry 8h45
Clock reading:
12h56
